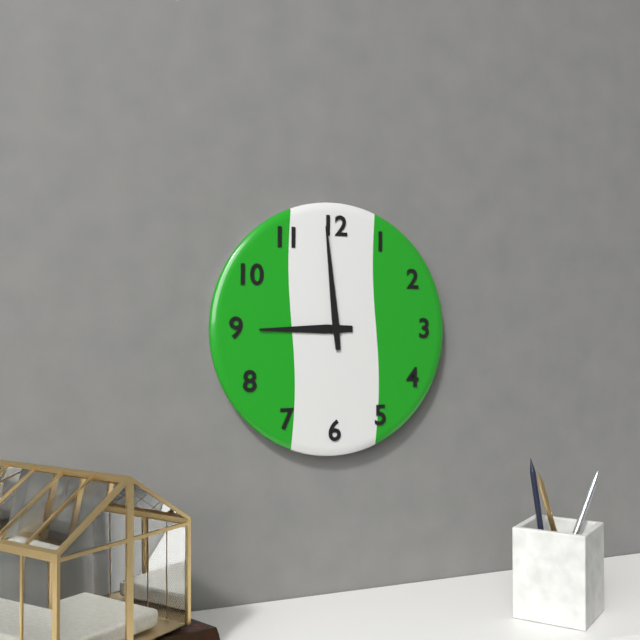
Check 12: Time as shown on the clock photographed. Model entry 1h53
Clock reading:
8h59
